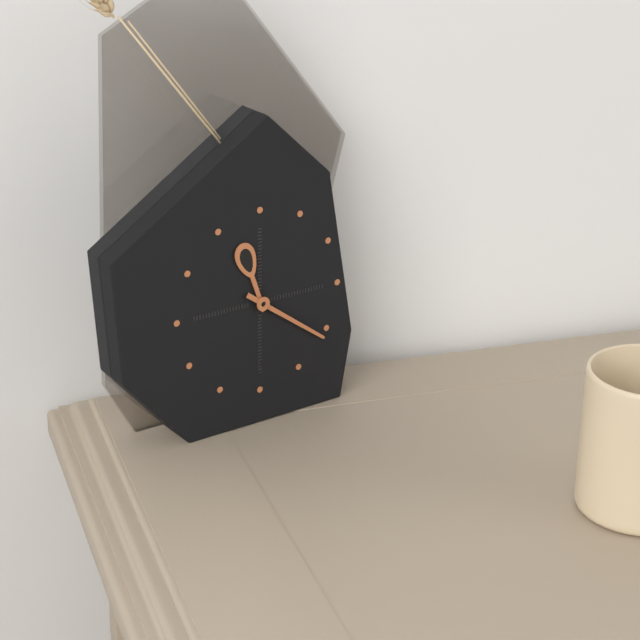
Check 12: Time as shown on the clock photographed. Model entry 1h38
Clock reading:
11h21
